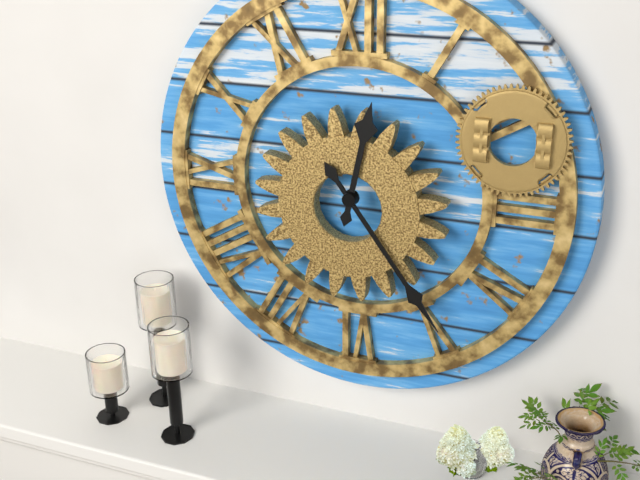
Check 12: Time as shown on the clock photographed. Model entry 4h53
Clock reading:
12h24
